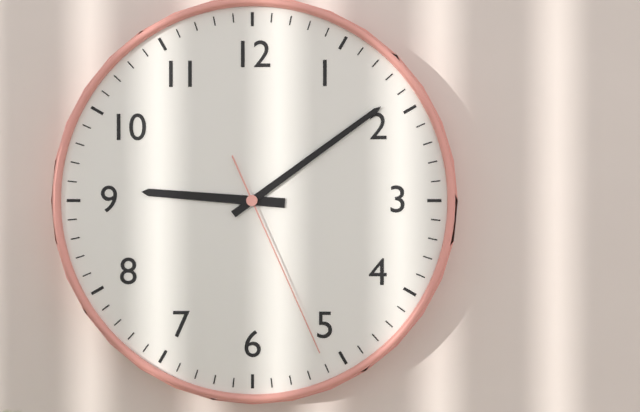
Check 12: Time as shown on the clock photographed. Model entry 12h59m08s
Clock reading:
9h09m26s
